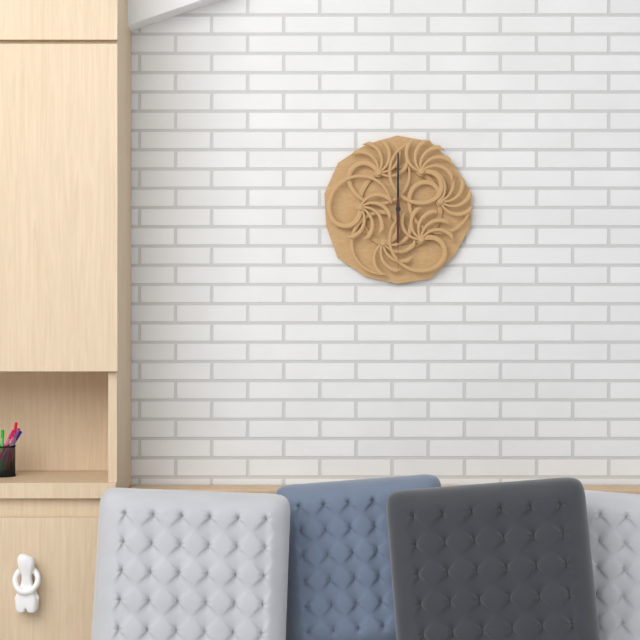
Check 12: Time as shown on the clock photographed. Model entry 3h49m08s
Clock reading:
6h00m30s
